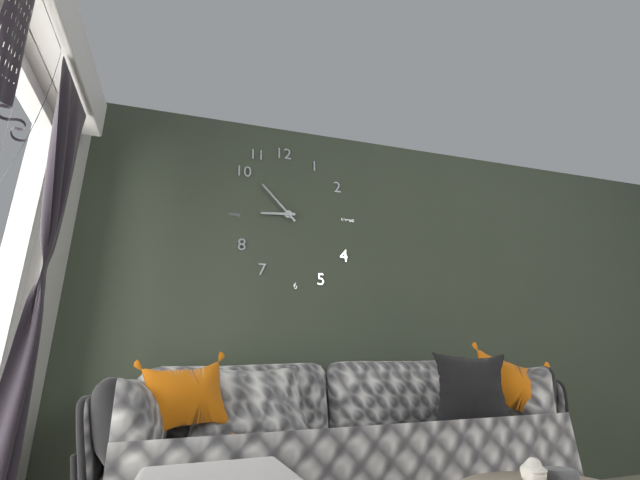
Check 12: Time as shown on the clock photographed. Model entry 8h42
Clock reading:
8h53
